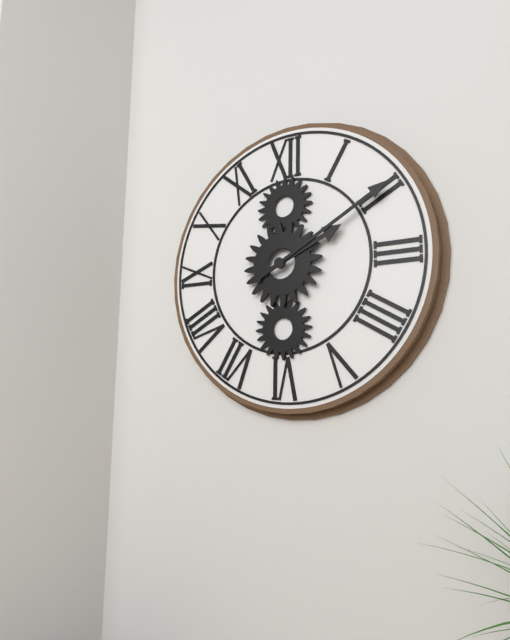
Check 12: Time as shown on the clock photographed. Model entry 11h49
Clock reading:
2h10
